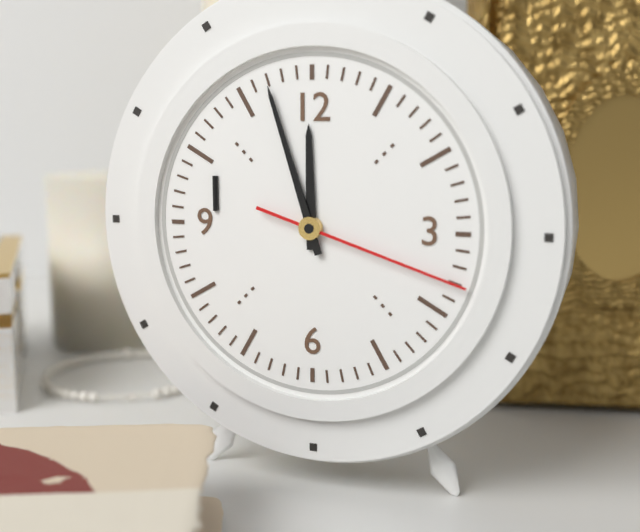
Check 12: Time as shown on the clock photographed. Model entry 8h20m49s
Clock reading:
11h57m18s
